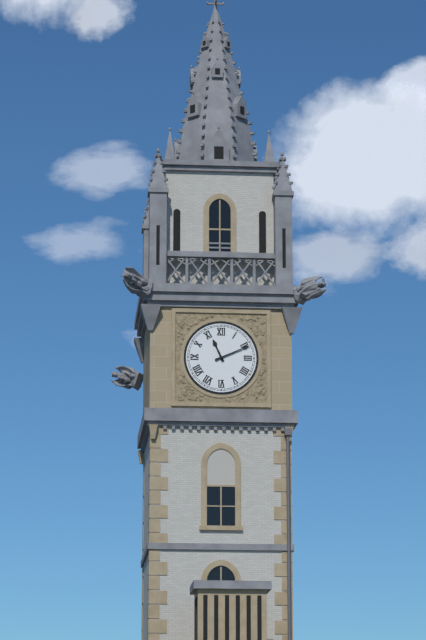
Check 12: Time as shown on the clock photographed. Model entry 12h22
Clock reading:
11h11
